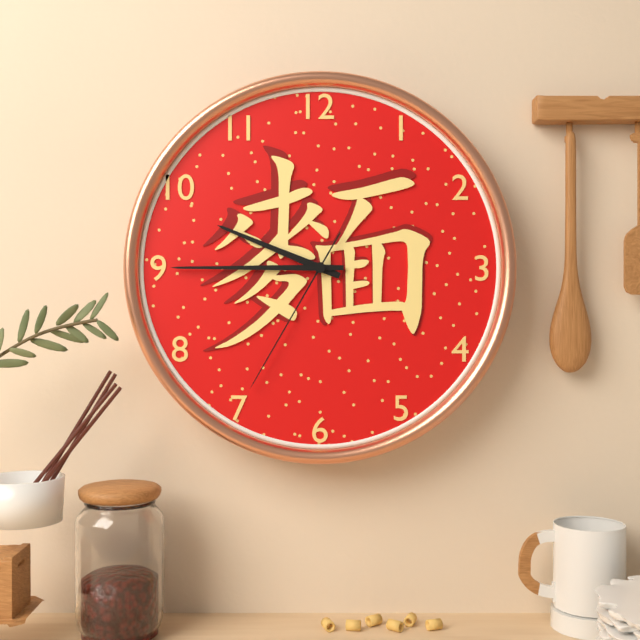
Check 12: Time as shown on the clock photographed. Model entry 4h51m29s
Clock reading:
9h45m35s
